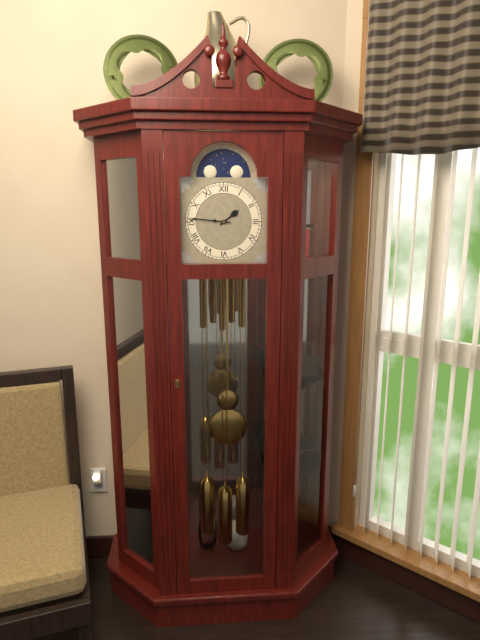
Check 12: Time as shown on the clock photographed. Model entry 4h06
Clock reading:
1h46
